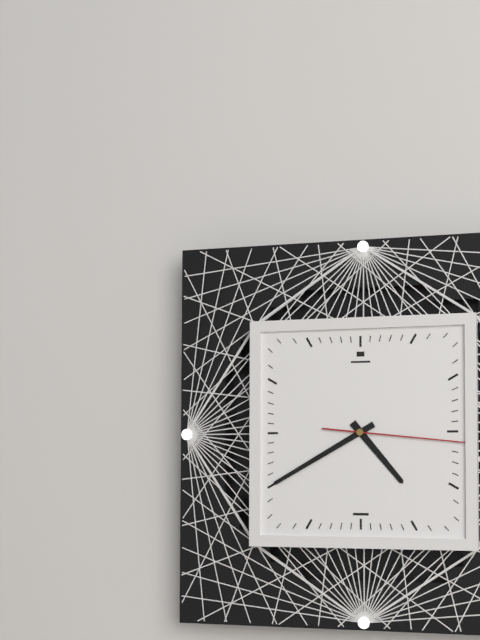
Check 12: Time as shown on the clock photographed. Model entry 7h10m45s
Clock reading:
4h40m16s
